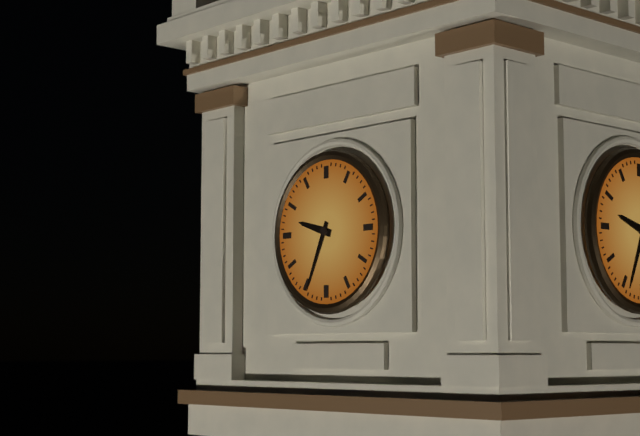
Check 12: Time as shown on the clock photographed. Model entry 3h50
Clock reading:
9h34
